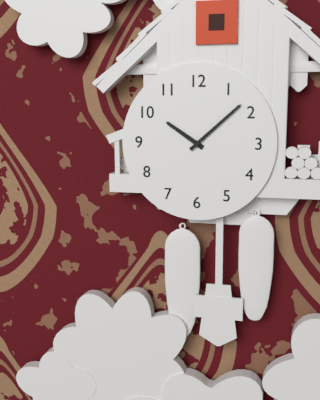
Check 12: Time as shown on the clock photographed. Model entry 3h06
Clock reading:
10h08
